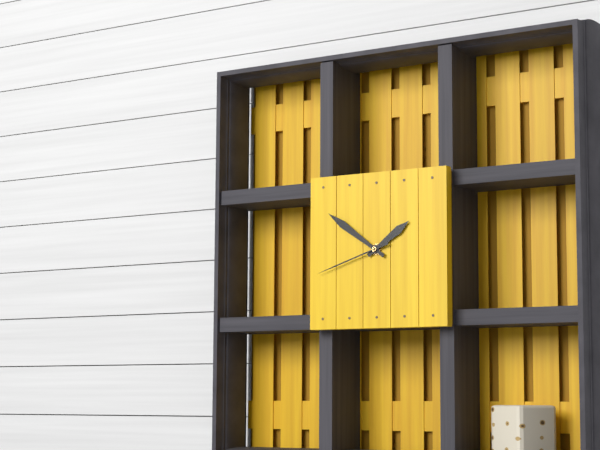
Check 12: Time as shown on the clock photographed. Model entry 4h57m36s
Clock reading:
1h51m42s
